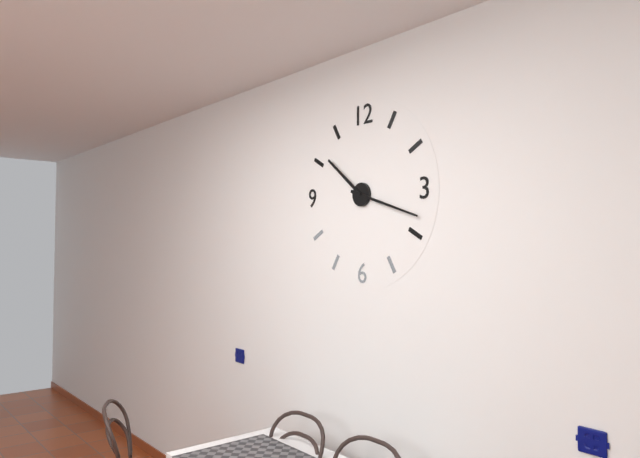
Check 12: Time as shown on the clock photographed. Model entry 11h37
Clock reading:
10h18
